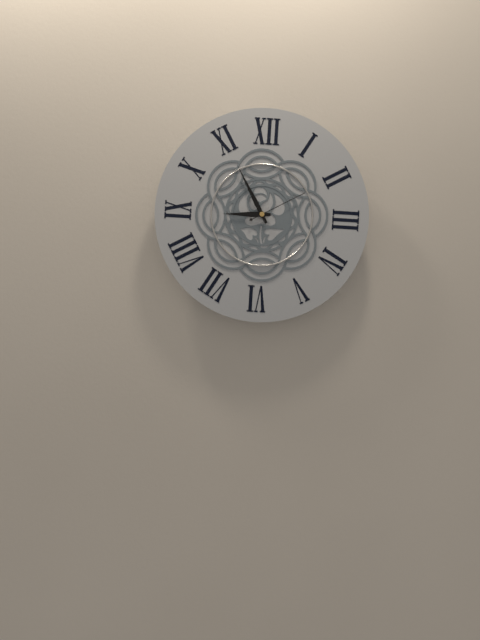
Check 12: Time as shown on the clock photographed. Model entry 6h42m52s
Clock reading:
8h55m10s
